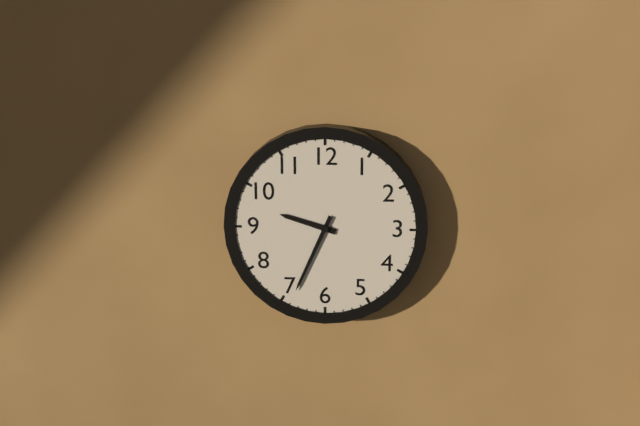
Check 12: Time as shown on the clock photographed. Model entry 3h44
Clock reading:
9h34
